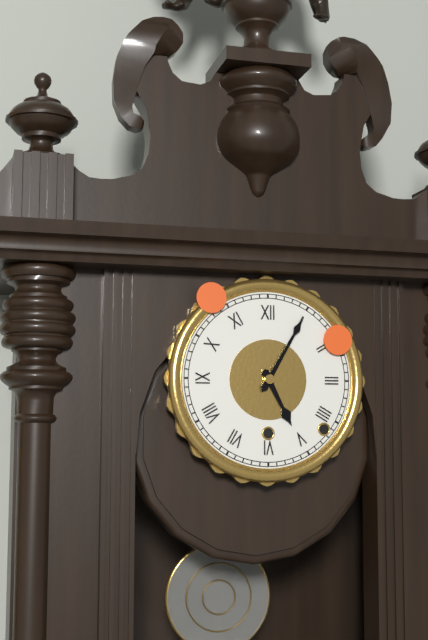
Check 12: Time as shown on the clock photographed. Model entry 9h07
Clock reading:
5h05
